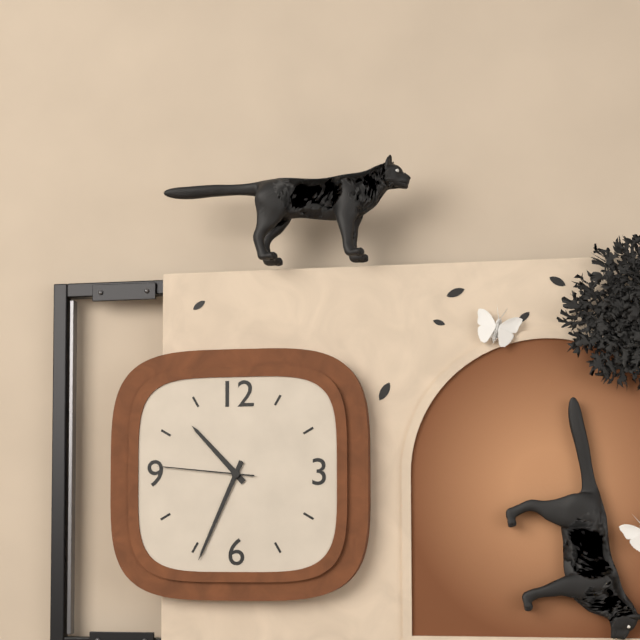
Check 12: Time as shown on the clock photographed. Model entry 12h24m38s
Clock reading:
10h34m46s
